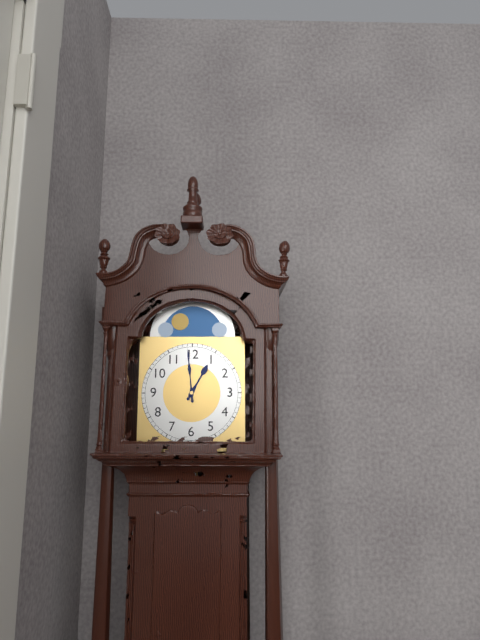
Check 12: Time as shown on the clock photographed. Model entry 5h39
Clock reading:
12h59
